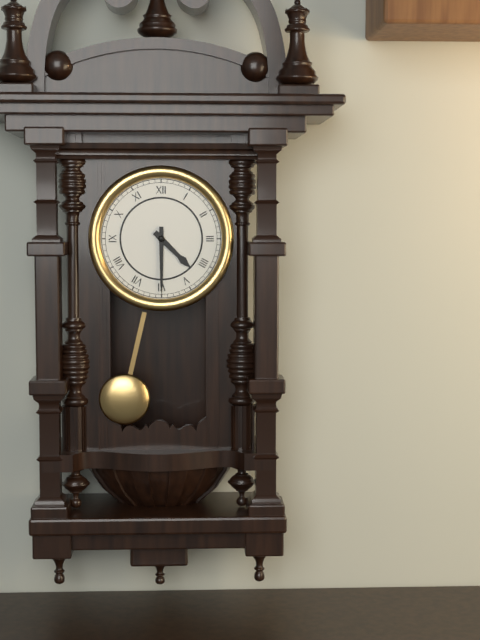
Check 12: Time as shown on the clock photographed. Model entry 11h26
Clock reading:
4h30
